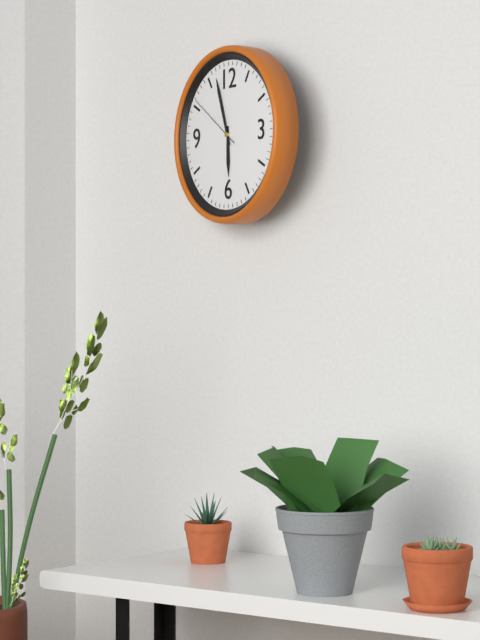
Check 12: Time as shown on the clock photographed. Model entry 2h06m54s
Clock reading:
5h57m51s
